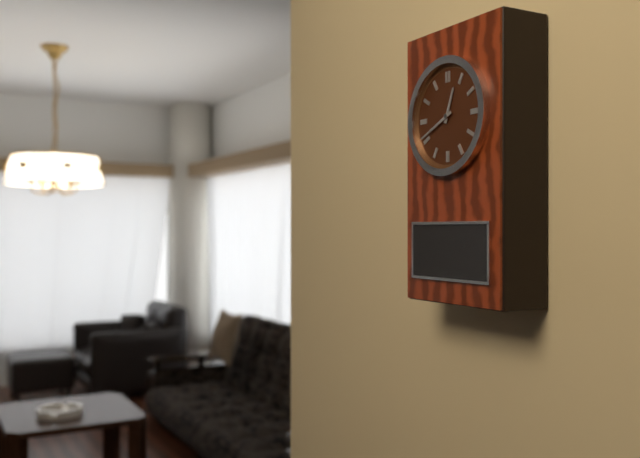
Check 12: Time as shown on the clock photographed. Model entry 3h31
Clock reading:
12h41
